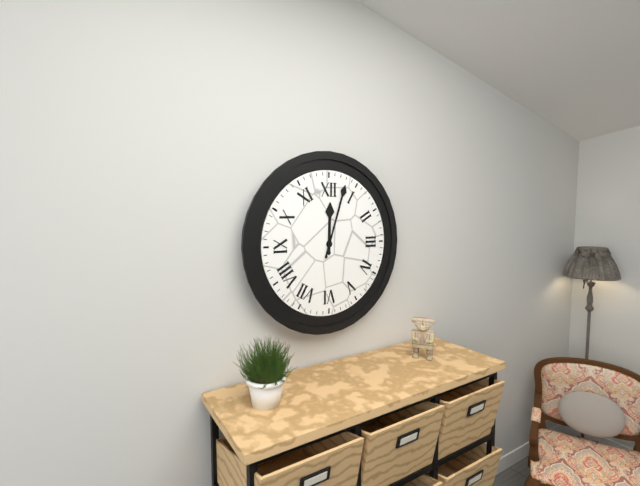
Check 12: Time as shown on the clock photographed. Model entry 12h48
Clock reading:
12h03
